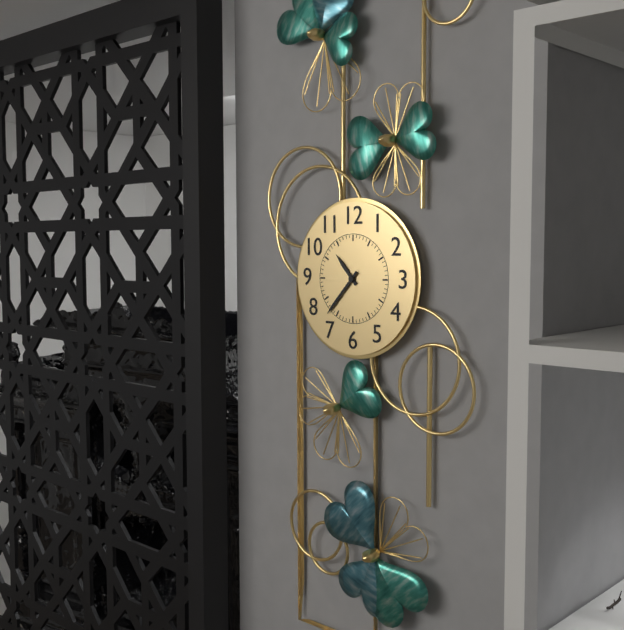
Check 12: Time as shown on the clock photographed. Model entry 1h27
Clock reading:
10h37
